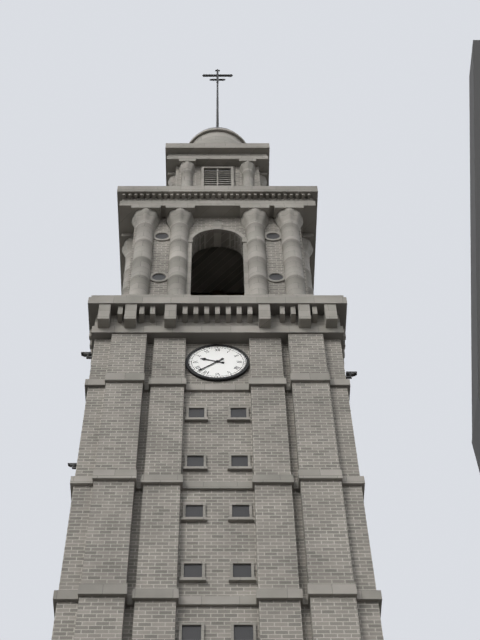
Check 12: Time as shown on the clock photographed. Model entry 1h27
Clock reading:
9h38
